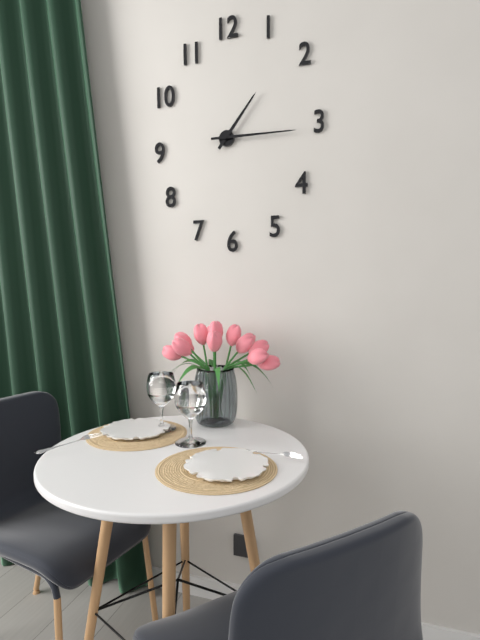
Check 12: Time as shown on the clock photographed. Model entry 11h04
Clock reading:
1h15
